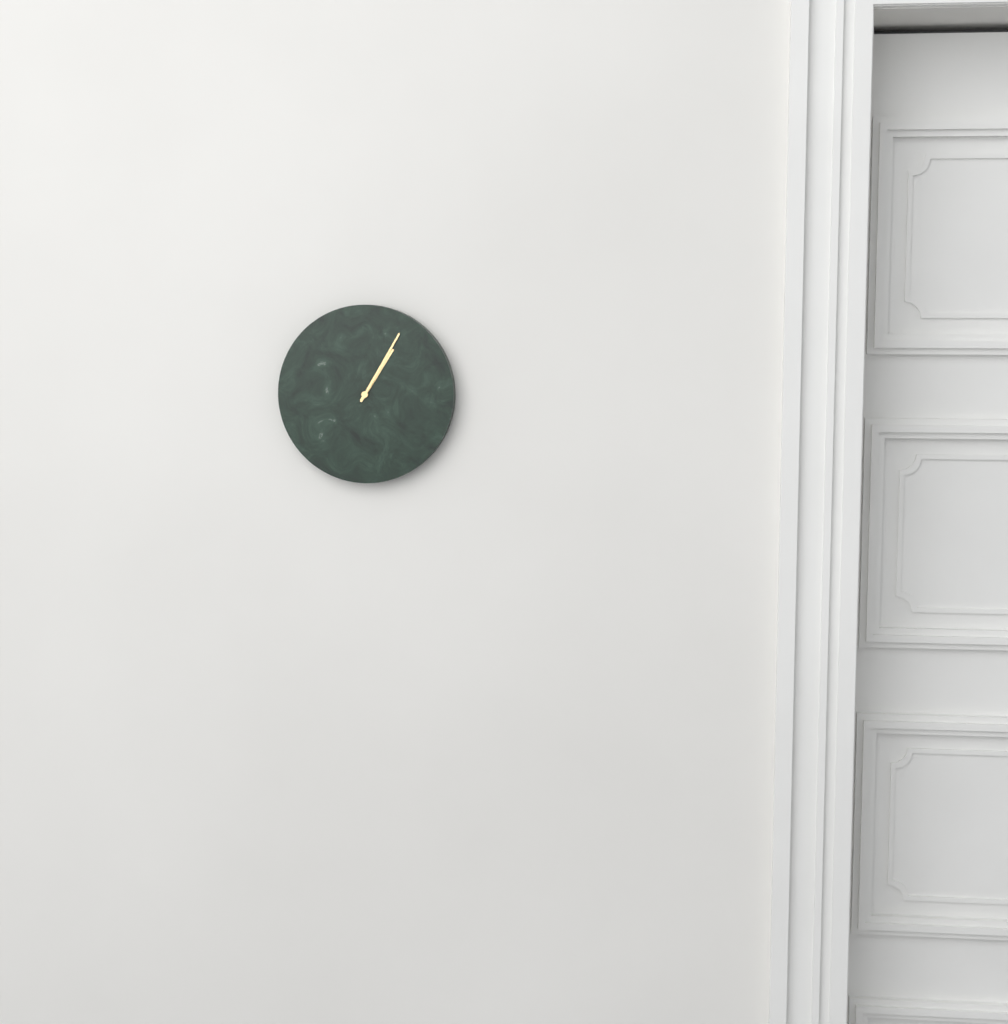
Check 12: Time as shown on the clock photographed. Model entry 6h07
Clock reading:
1h05
